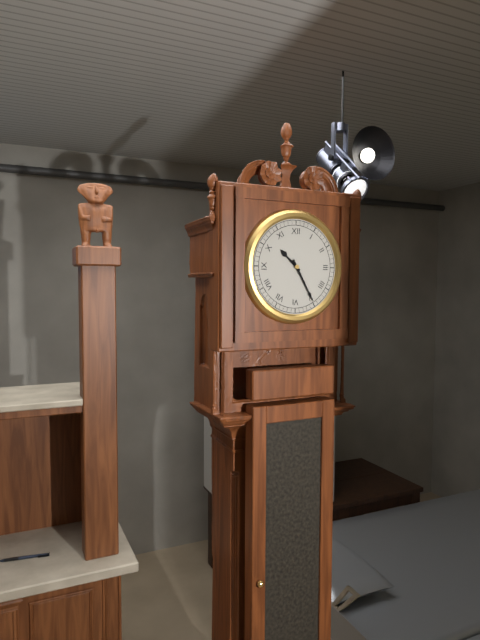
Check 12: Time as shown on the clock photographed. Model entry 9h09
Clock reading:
10h25
